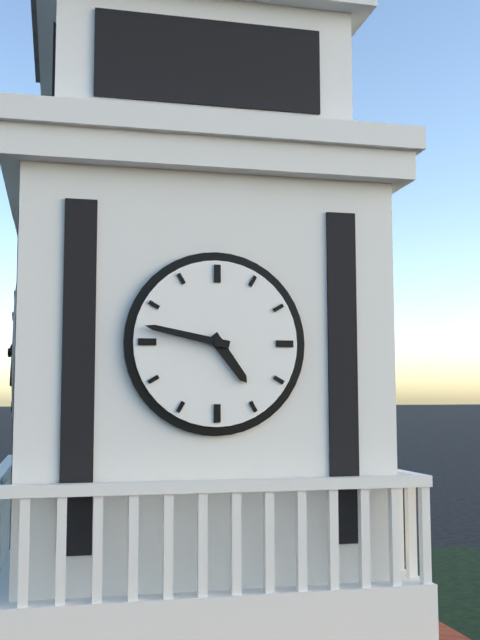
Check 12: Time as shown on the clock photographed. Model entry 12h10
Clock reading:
4h47
